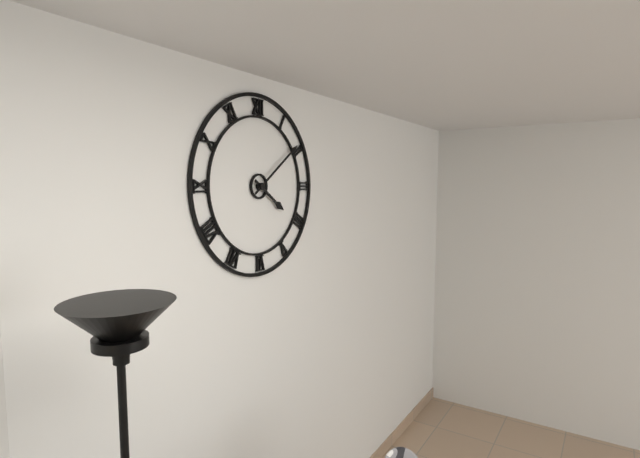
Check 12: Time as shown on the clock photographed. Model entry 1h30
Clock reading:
4h09
